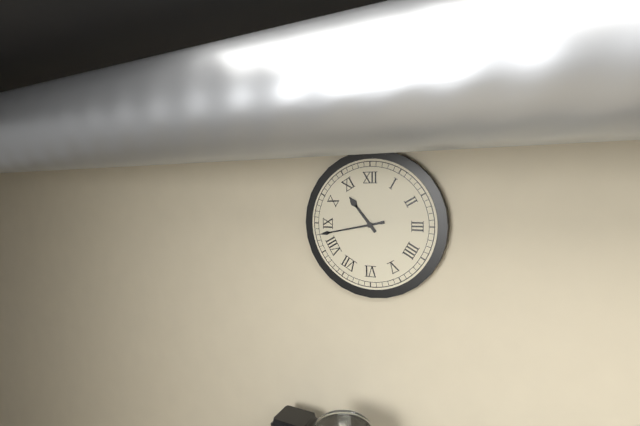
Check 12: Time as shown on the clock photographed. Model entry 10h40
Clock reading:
10h43
